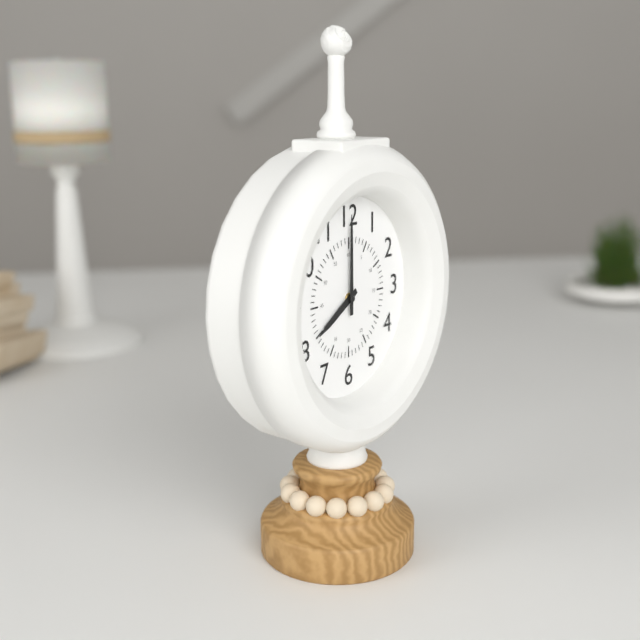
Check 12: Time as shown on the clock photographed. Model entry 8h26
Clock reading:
8h00
